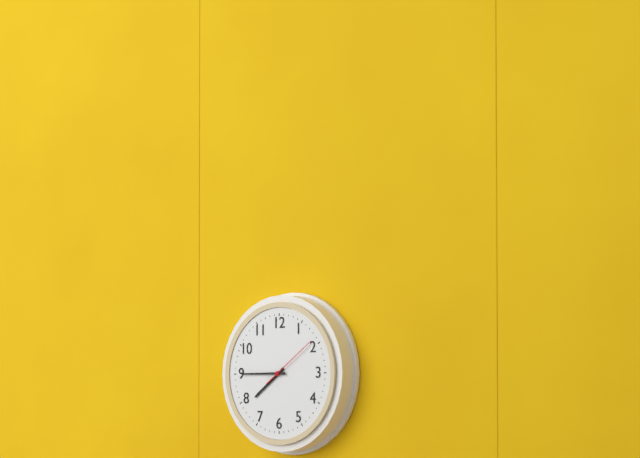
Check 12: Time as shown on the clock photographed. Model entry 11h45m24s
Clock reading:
7h45m09s
